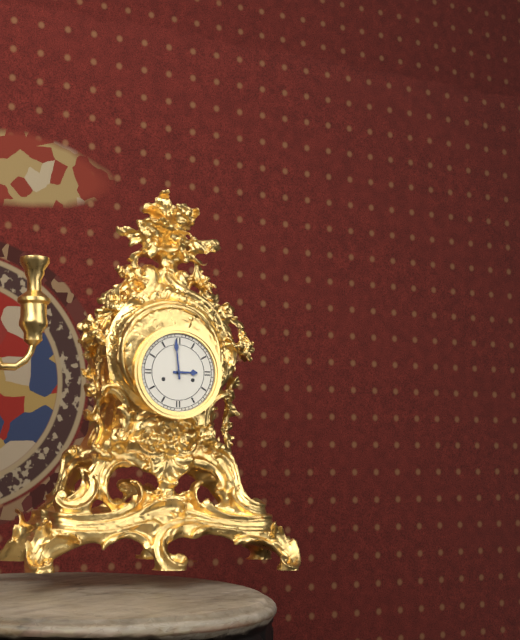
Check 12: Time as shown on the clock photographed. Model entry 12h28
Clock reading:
2h59
